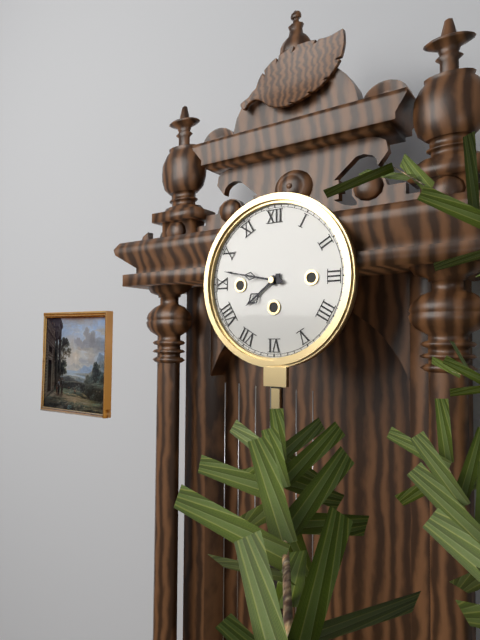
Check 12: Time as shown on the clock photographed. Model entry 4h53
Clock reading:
7h47
